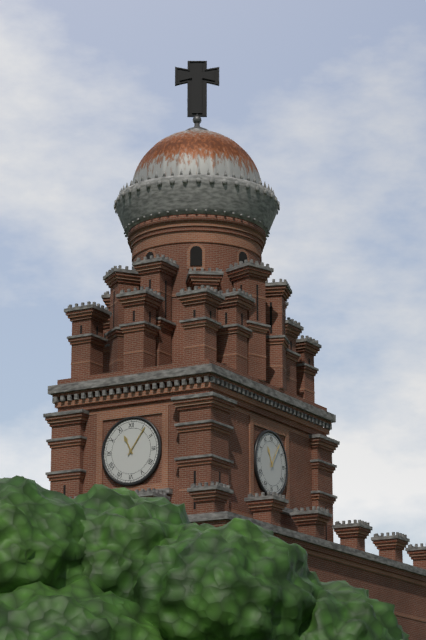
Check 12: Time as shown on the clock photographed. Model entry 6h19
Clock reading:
11h06
